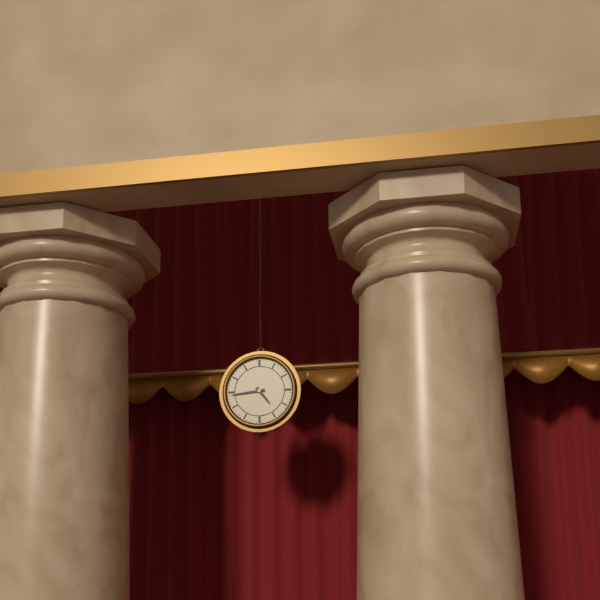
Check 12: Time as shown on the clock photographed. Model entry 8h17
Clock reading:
4h44
